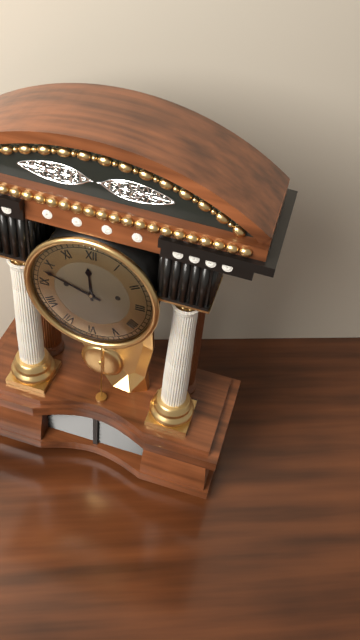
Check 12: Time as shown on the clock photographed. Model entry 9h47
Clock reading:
11h48
